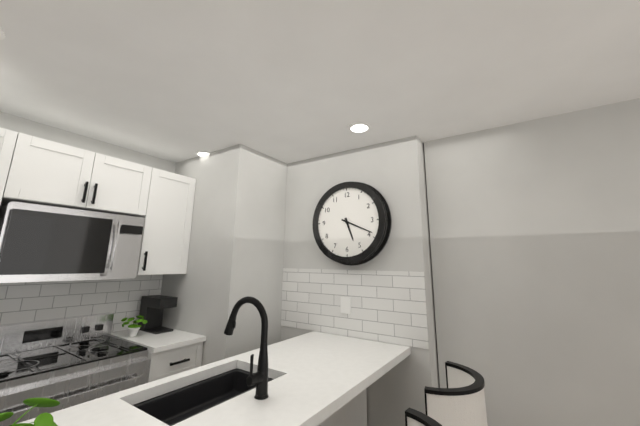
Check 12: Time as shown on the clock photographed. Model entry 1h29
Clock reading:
5h19
